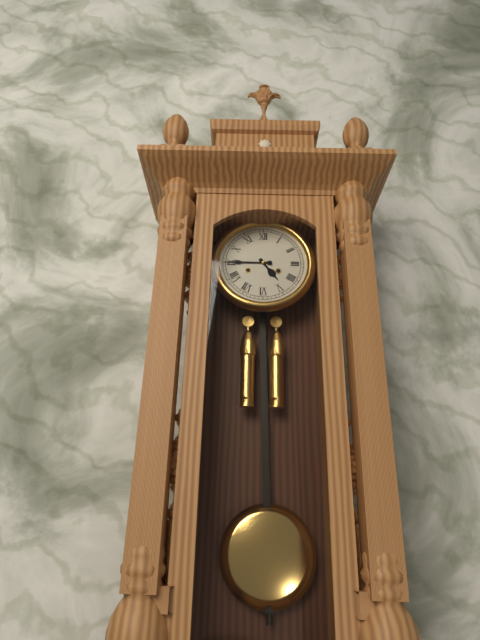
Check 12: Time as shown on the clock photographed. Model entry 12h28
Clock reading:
4h45
